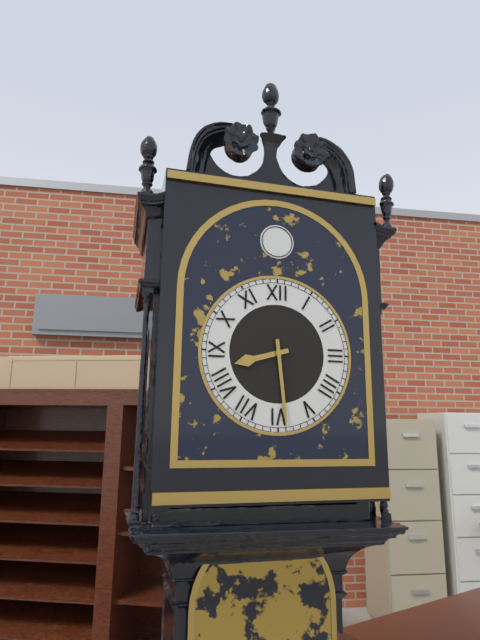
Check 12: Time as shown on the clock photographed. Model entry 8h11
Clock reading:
8h29
